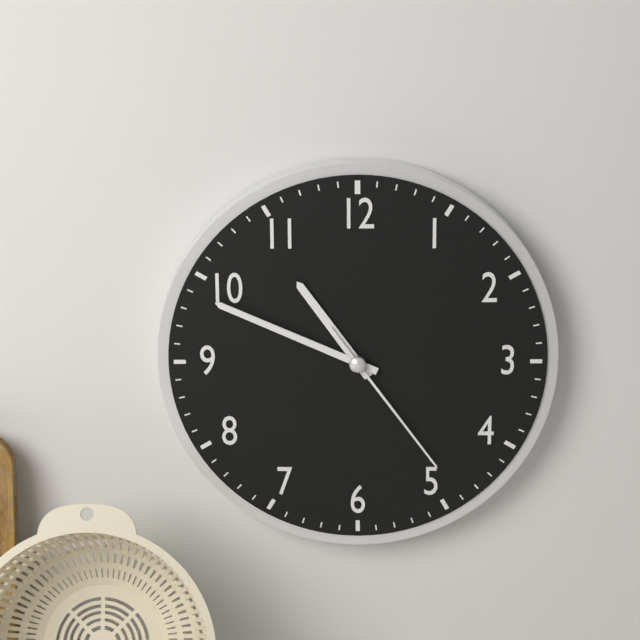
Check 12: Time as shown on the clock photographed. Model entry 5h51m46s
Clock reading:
10h49m24s
